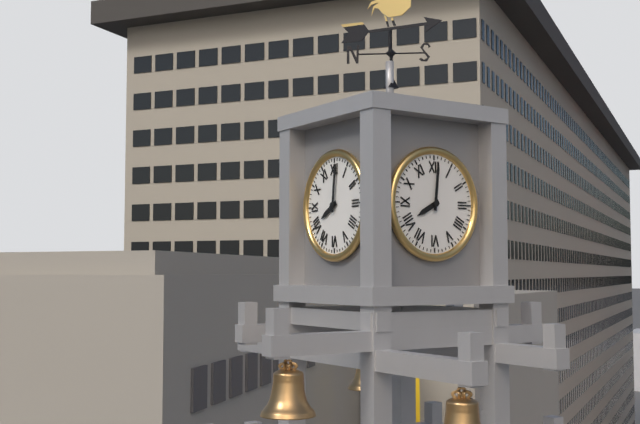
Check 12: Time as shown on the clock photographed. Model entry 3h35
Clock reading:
8h01
